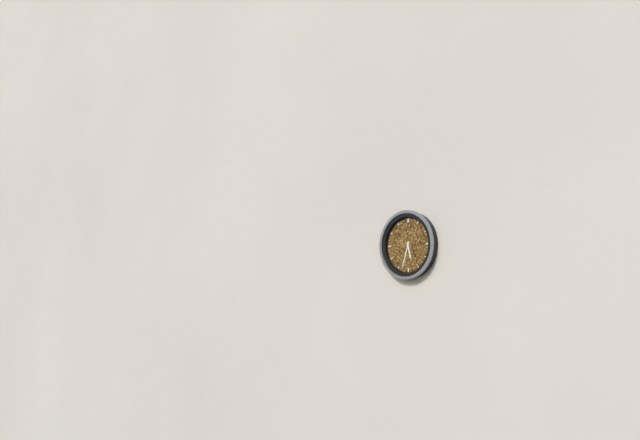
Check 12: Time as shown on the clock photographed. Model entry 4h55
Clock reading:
5h33
